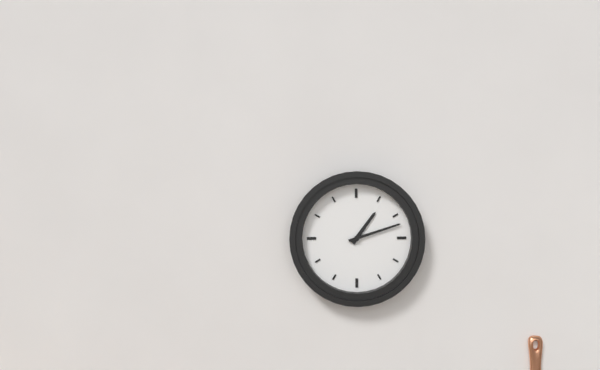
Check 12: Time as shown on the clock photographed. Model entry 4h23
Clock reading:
1h12
